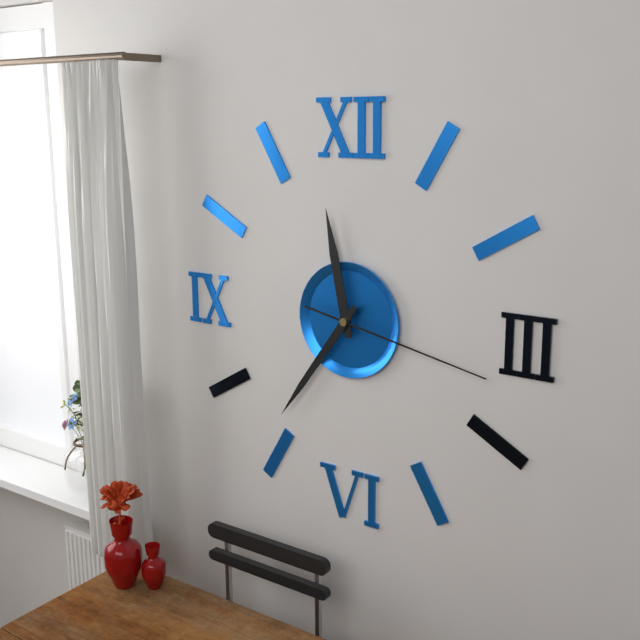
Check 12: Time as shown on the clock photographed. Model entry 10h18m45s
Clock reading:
11h36m17s
